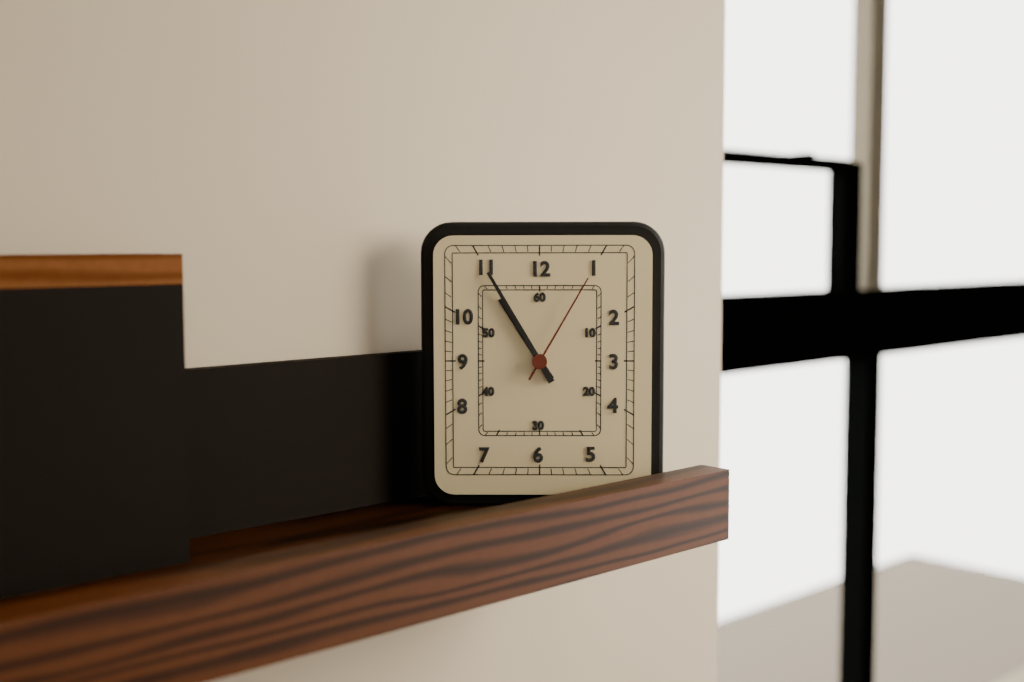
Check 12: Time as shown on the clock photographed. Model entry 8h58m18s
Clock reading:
10h55m05s
